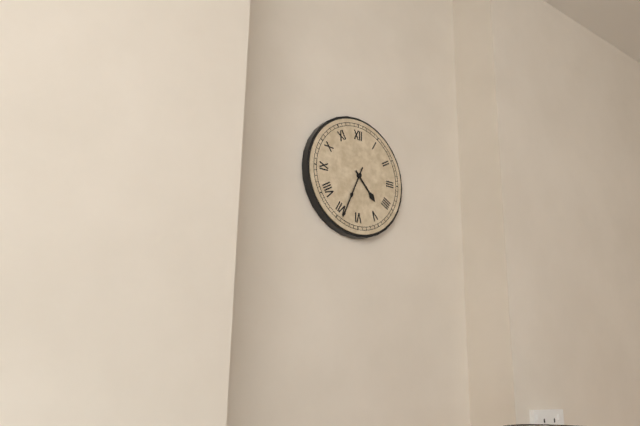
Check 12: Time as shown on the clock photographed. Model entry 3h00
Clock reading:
4h34
